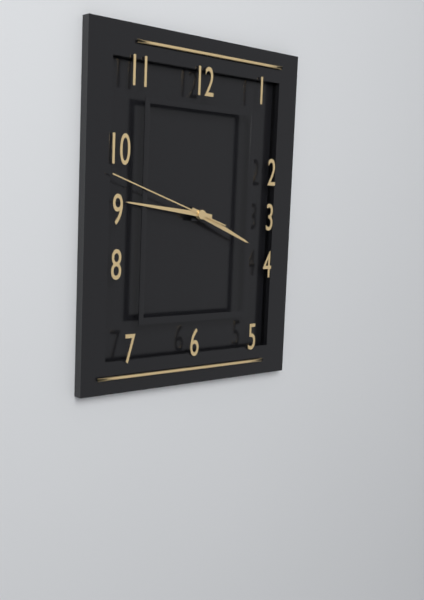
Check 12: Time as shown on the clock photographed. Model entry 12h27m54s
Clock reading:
3h46m48s
